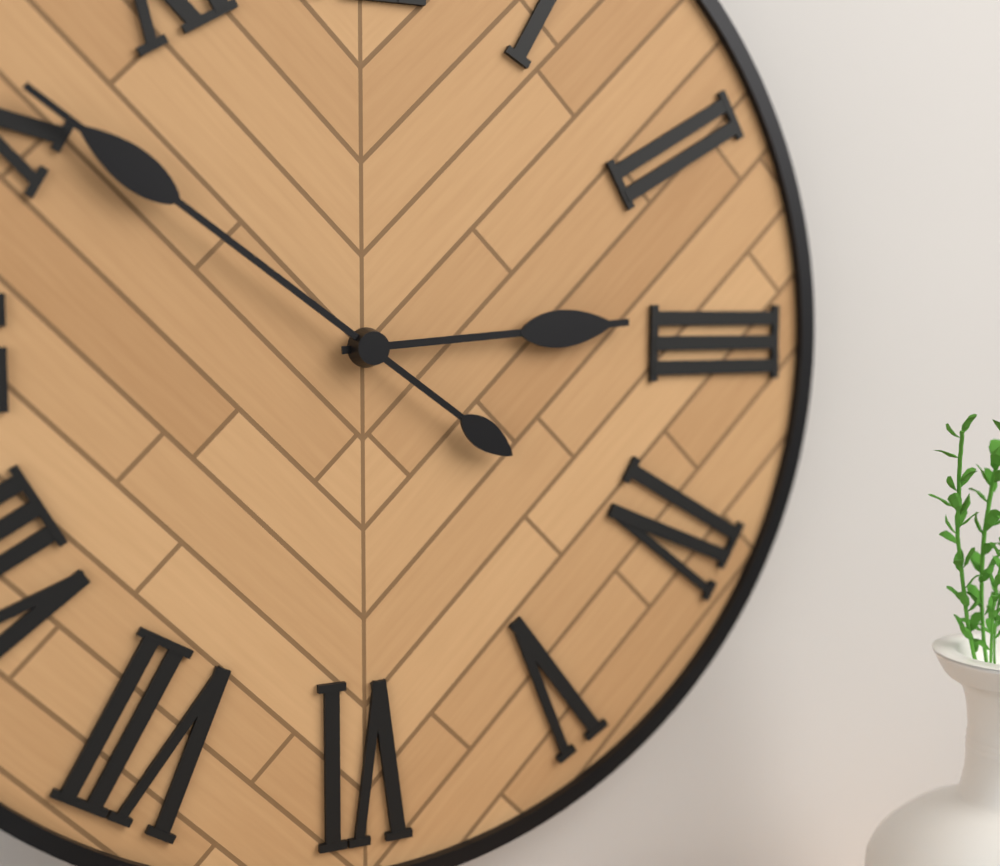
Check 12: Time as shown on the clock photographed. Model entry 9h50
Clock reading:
2h51
